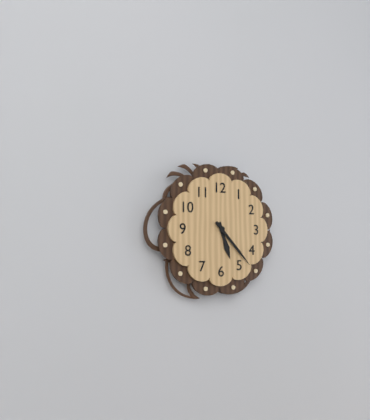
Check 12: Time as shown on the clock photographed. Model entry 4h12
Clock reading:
5h23
